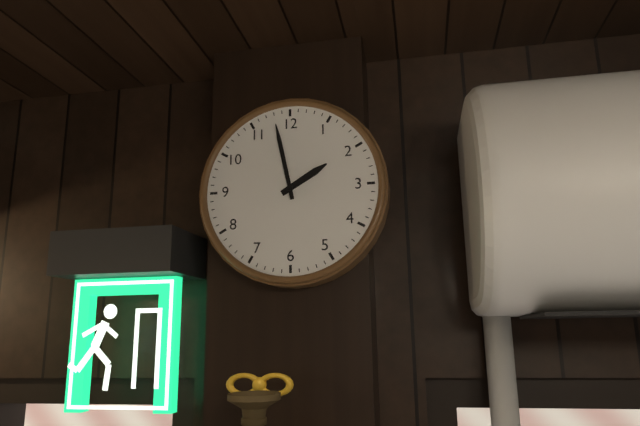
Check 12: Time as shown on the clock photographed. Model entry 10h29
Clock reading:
1h58
